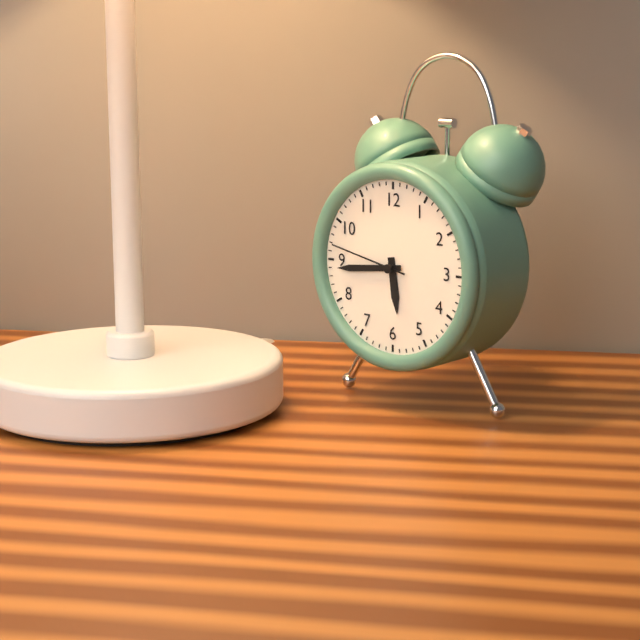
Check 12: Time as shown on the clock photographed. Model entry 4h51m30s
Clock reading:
5h44m47s
